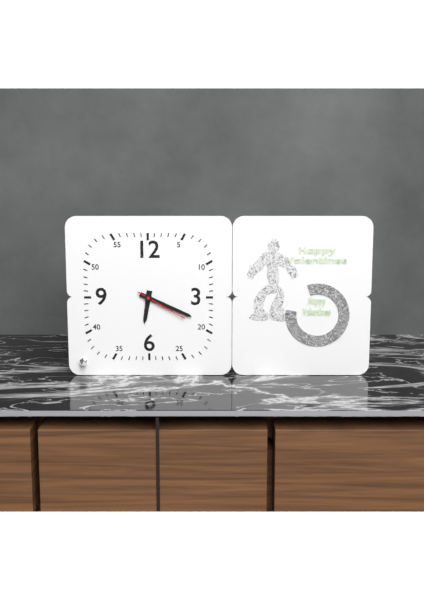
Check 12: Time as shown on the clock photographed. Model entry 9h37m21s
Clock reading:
6h19m20s
